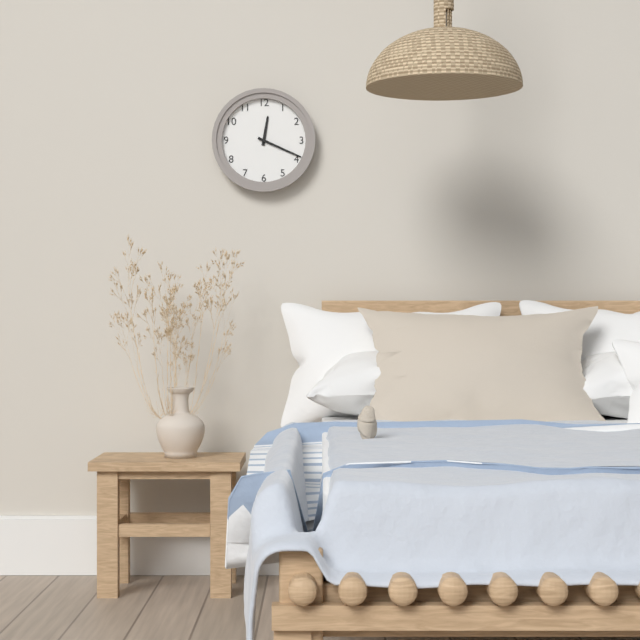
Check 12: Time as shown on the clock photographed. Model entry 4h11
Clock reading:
12h19
